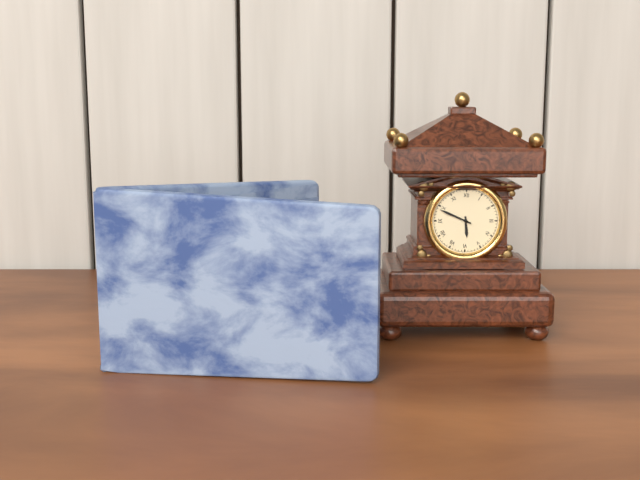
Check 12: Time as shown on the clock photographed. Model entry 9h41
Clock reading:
5h49
